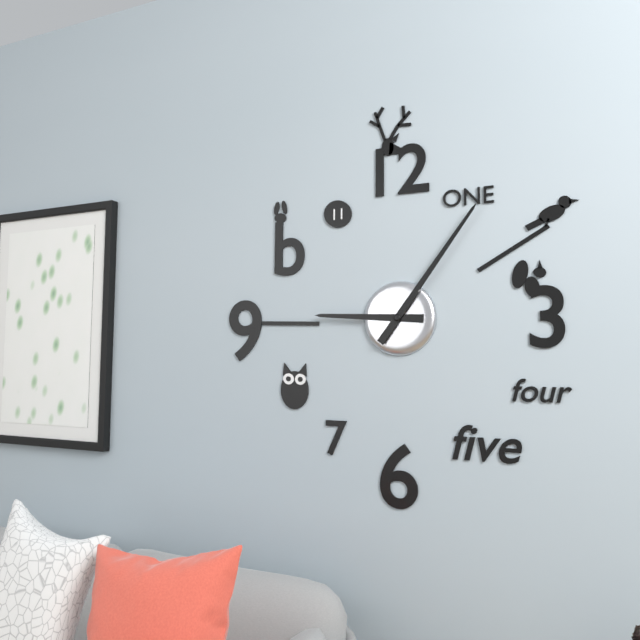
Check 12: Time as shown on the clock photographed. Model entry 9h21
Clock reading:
9h06
